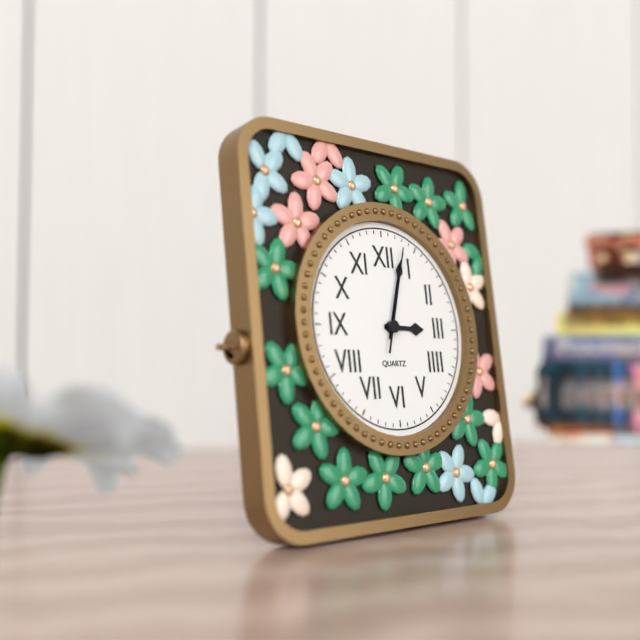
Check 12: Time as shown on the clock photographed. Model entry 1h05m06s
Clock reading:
3h03m03s
